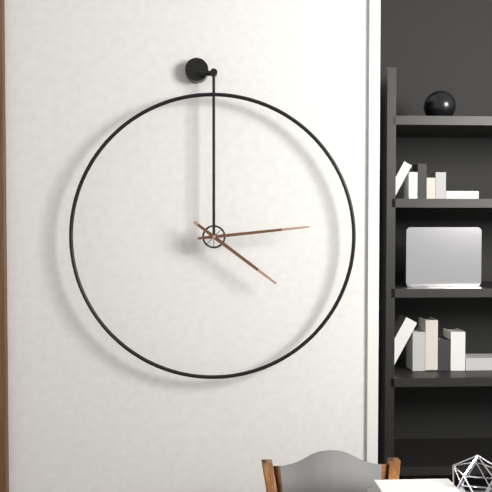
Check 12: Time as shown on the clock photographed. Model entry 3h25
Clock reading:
4h14
